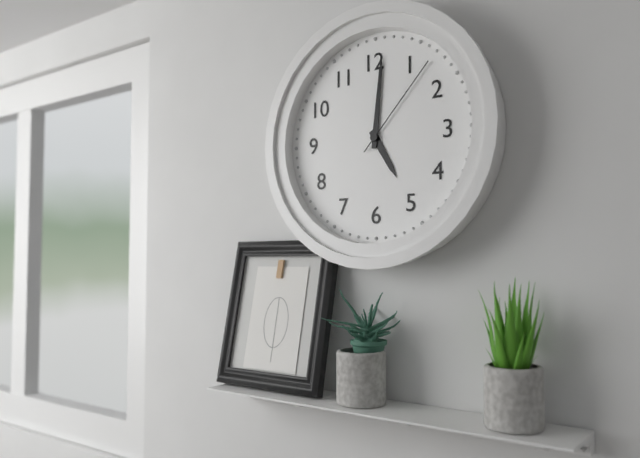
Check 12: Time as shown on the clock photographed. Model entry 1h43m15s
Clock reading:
5h01m07s
